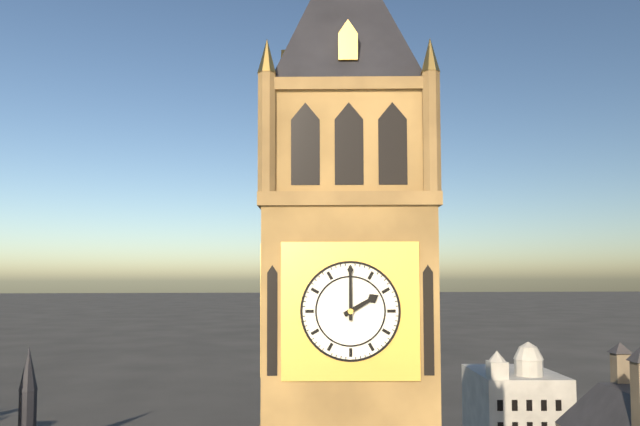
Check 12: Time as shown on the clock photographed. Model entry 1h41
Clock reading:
2h00
